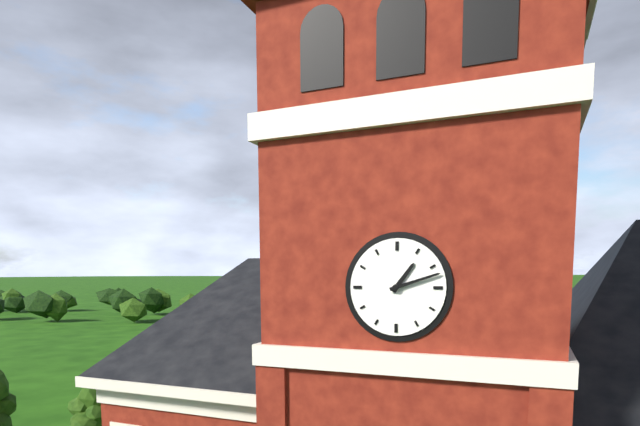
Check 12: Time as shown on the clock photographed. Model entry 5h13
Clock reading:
1h12
